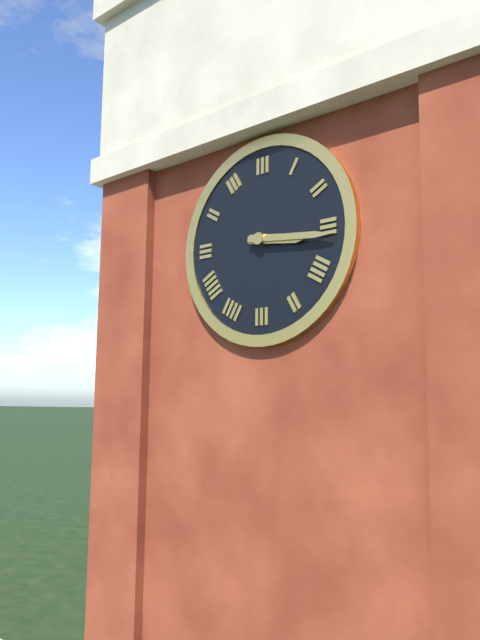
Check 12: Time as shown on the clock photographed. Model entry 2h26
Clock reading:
3h16
